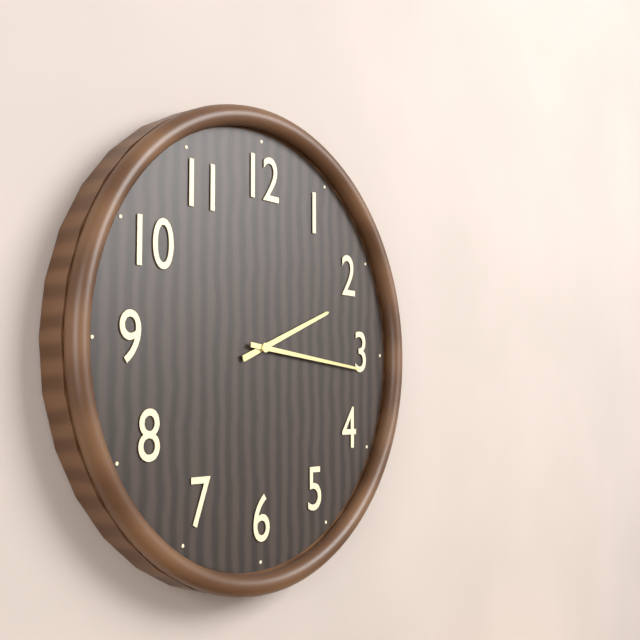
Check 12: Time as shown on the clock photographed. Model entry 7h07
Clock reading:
2h16
